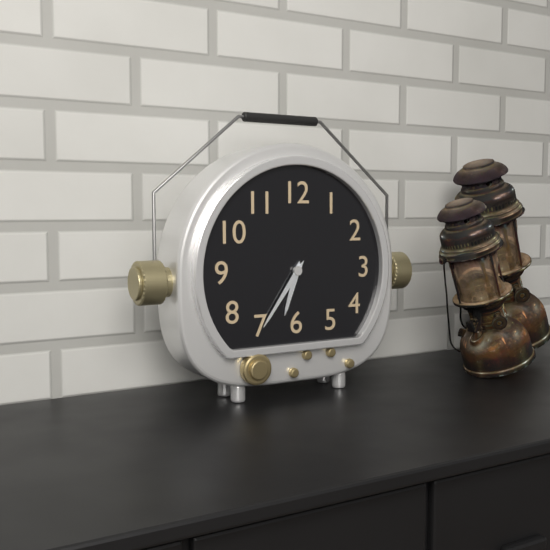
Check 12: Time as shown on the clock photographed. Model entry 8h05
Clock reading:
6h36
